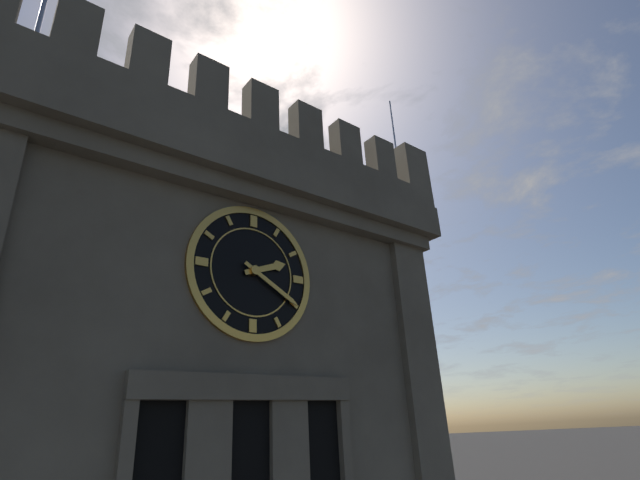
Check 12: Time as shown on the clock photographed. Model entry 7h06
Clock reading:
2h20
